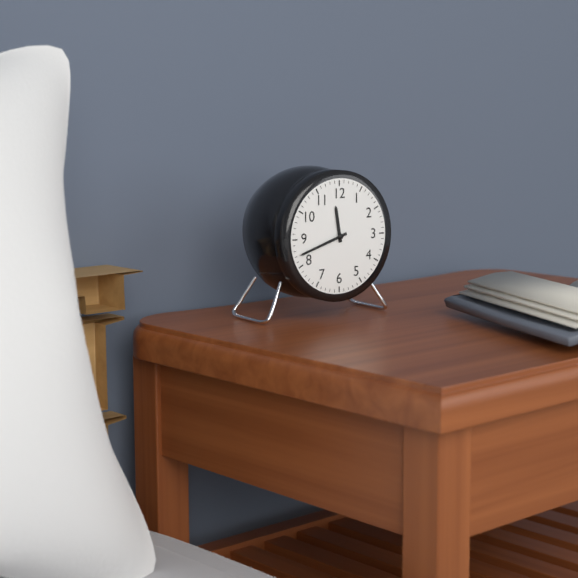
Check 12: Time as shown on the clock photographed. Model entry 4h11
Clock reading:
11h42
